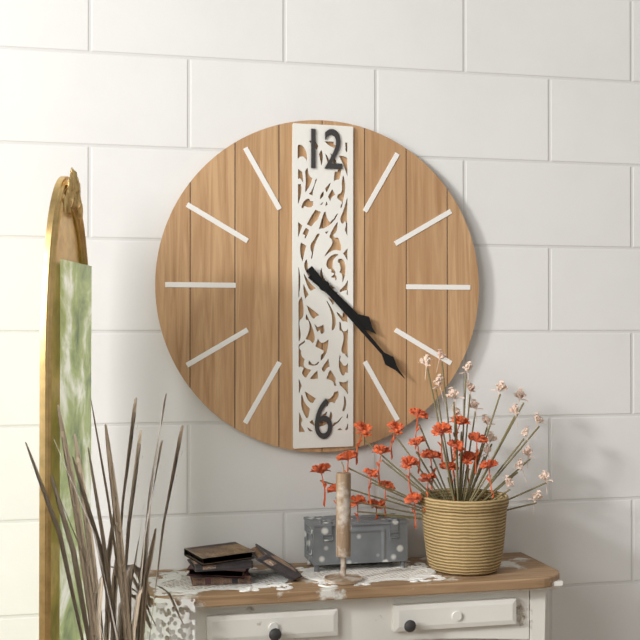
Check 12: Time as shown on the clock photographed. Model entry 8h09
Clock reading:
4h23
